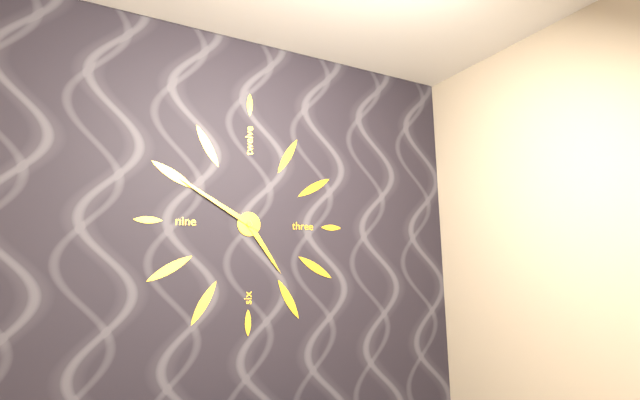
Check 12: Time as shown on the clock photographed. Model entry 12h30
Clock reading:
4h50
